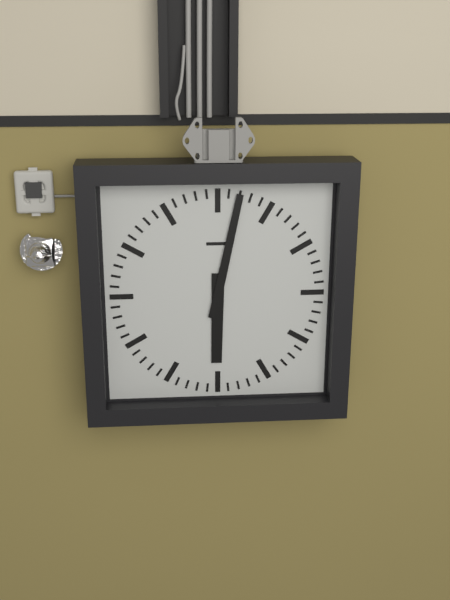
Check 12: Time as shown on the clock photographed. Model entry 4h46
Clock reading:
6h02
